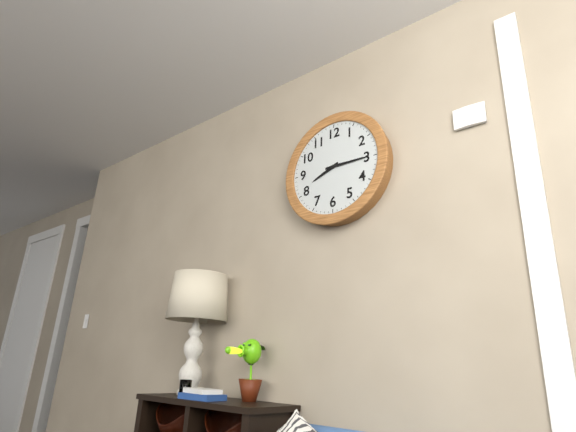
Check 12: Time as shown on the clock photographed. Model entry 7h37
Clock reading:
8h15
